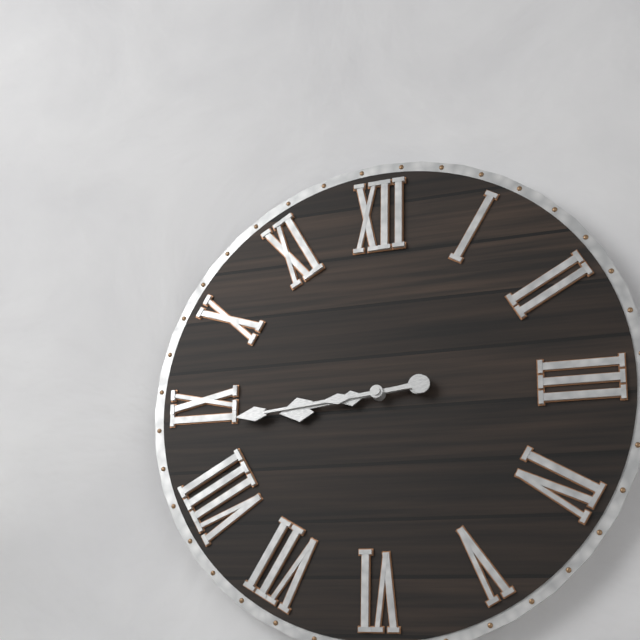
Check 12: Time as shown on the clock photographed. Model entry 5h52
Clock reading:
8h44
